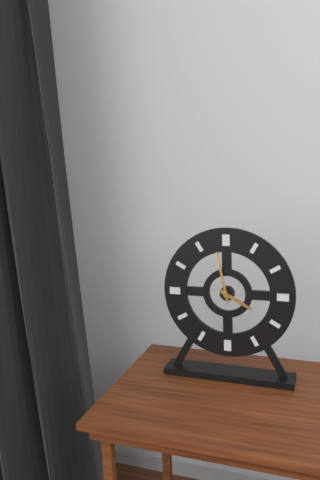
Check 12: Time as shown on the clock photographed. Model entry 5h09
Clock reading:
3h58
